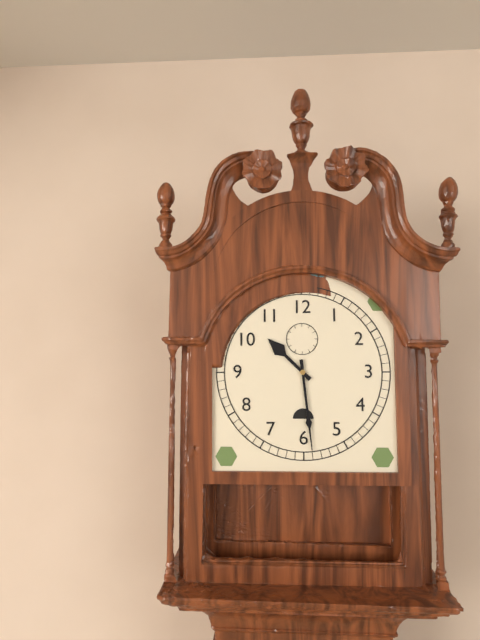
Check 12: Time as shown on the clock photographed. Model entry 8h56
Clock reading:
10h29
